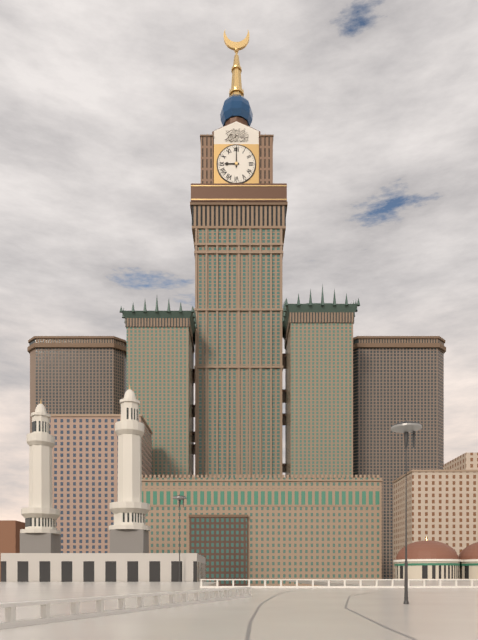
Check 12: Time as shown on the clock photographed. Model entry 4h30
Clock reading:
9h00
